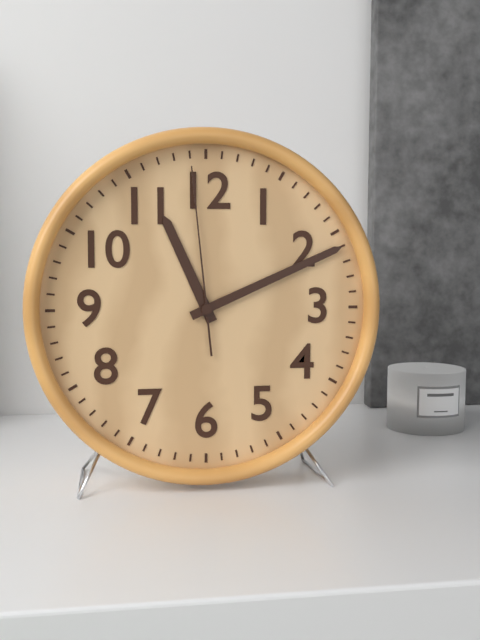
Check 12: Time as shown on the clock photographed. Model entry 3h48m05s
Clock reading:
11h11m59s
